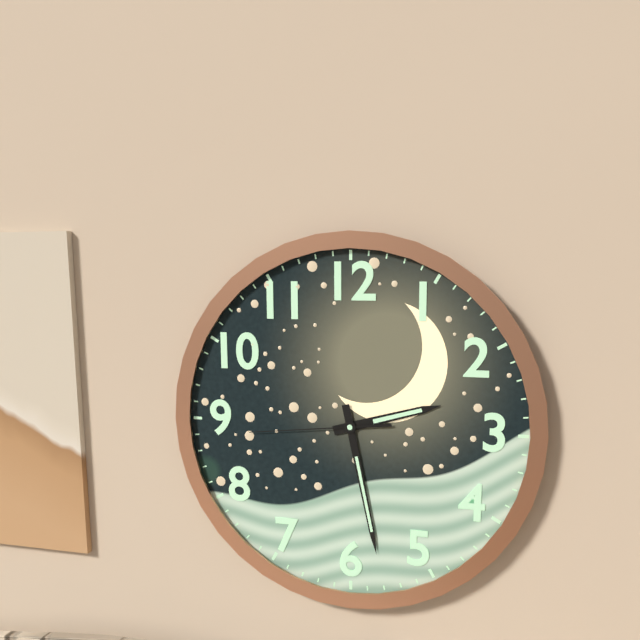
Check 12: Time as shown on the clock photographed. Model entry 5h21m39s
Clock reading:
2h28m44s
